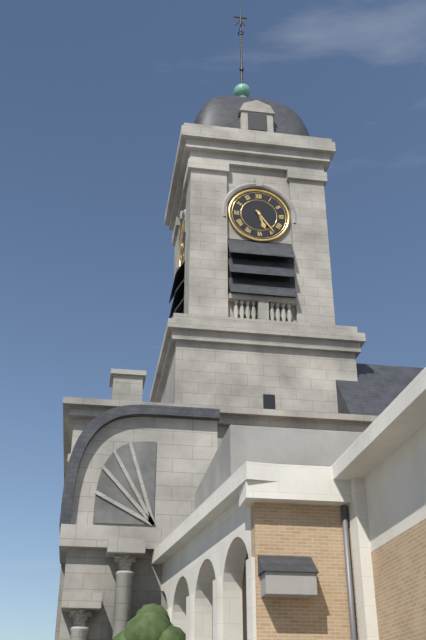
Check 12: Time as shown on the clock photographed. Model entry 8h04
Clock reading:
5h24
